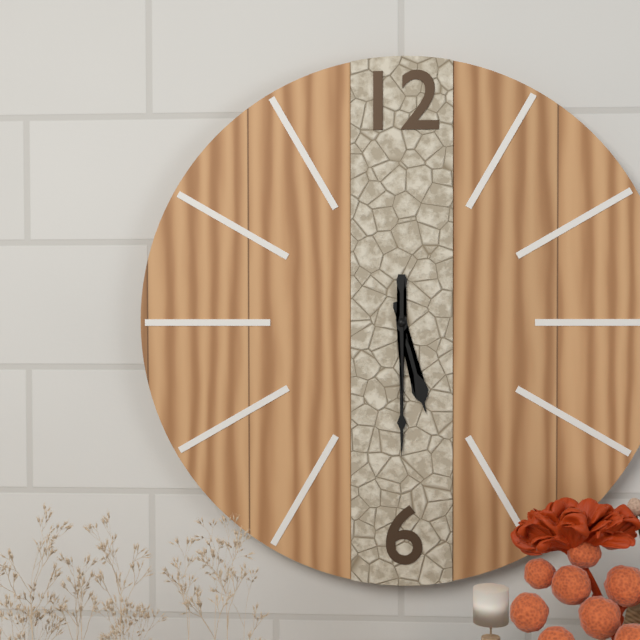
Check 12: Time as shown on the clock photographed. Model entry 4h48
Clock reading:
5h30
